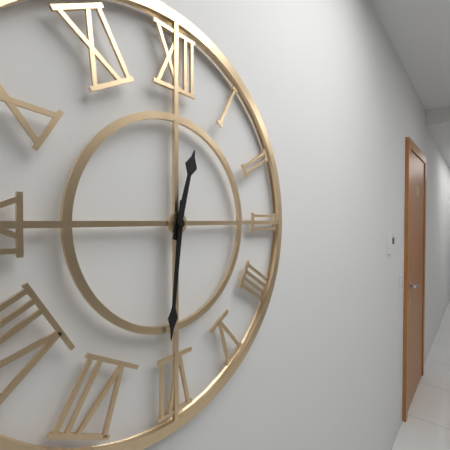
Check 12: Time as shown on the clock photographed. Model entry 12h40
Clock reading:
12h31
